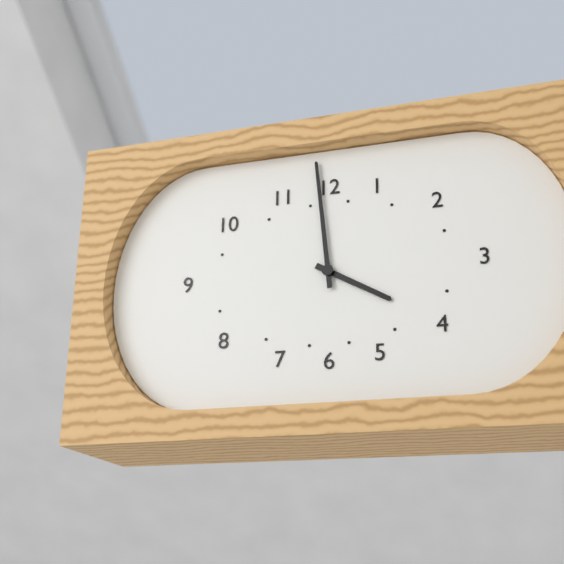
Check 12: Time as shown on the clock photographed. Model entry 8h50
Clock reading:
3h59
